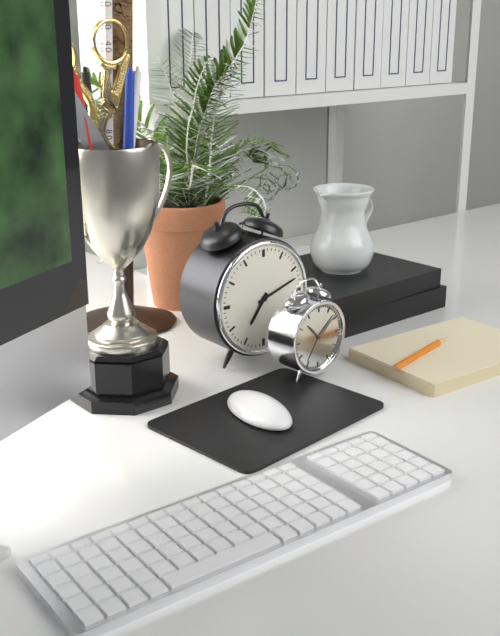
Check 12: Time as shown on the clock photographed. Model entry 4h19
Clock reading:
7h12
